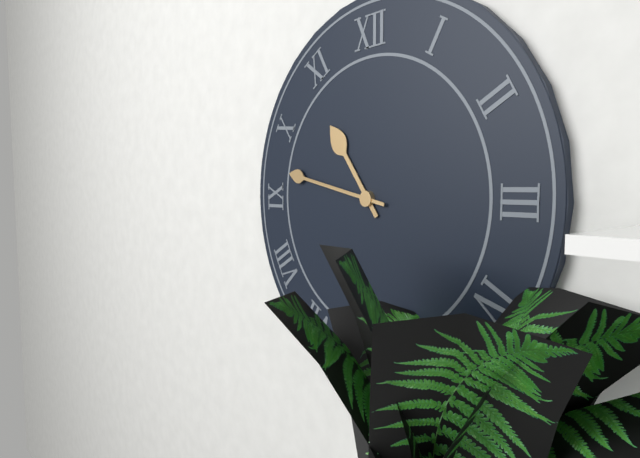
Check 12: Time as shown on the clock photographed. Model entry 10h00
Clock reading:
10h47
